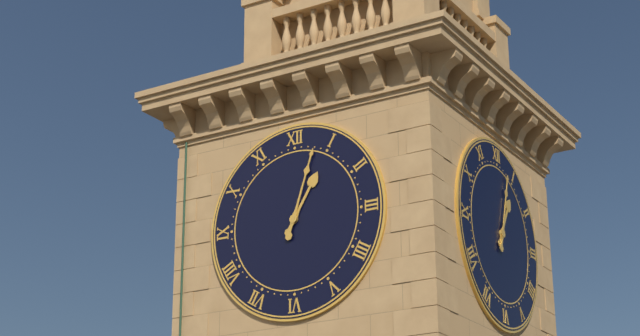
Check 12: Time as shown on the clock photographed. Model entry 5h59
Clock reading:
1h03
